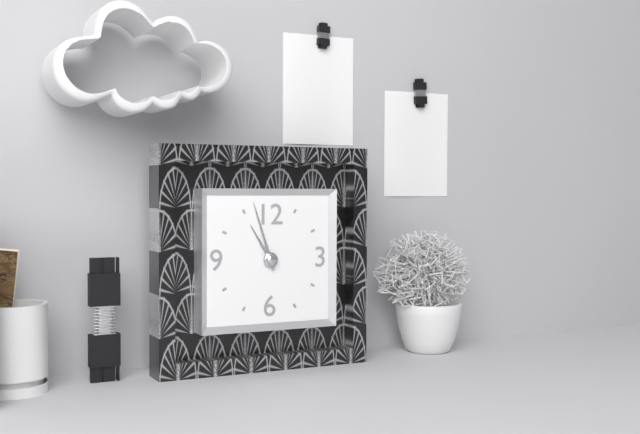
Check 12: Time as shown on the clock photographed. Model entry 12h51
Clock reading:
10h57
